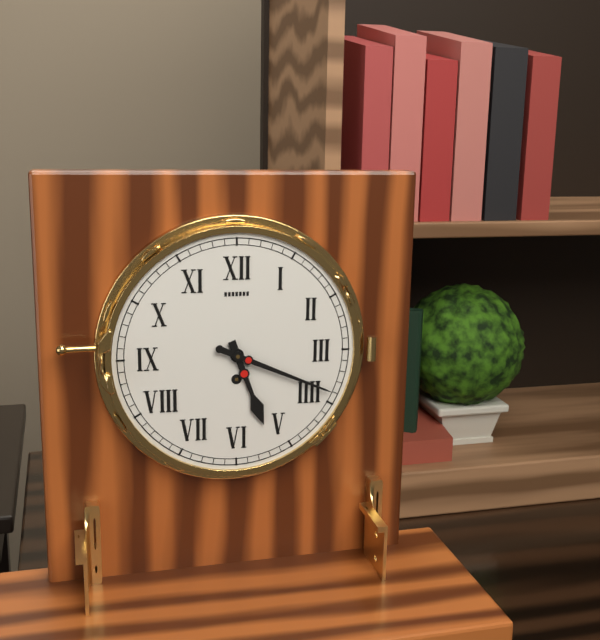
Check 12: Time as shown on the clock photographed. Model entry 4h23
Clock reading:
5h19
